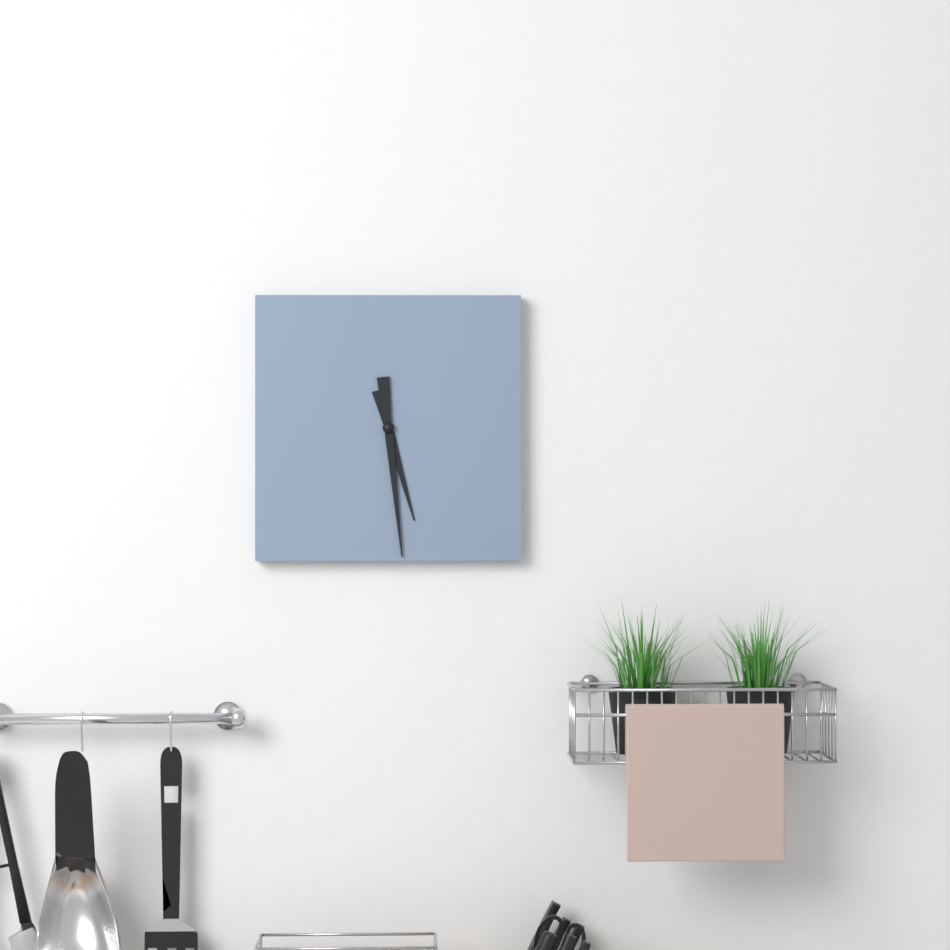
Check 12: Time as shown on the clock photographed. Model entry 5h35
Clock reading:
5h29
